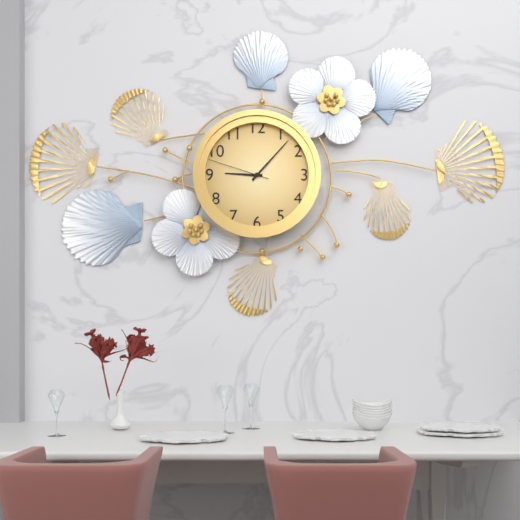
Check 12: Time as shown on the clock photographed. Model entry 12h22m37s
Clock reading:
9h07m48s
